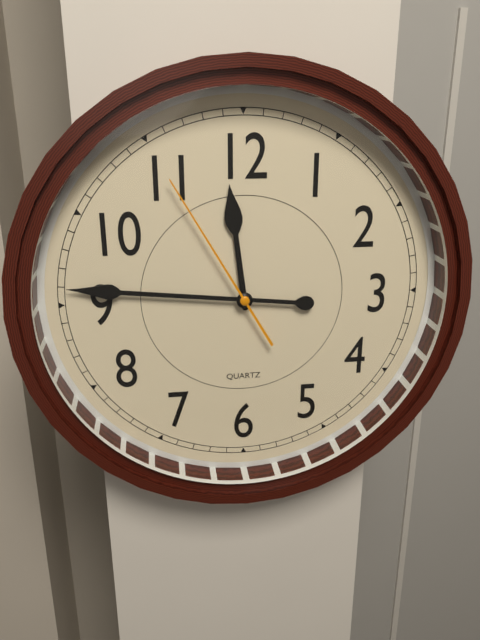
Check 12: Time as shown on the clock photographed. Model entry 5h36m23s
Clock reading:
11h46m55s
